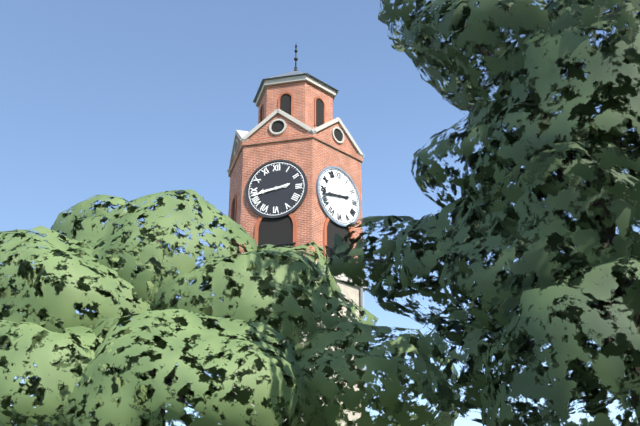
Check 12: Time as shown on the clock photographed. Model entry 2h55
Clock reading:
8h43
